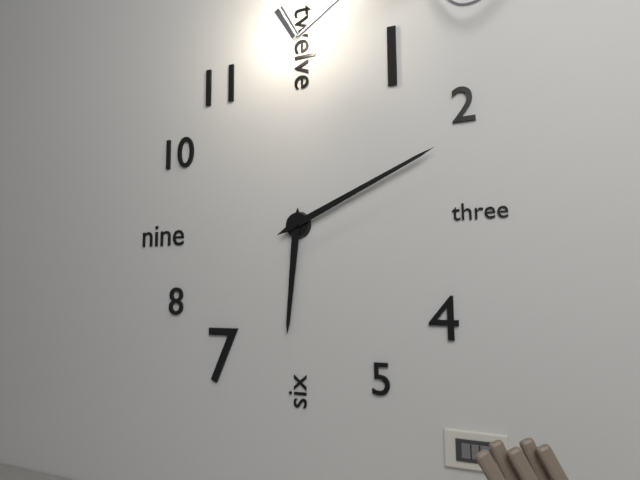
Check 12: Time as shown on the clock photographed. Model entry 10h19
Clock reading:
6h11
